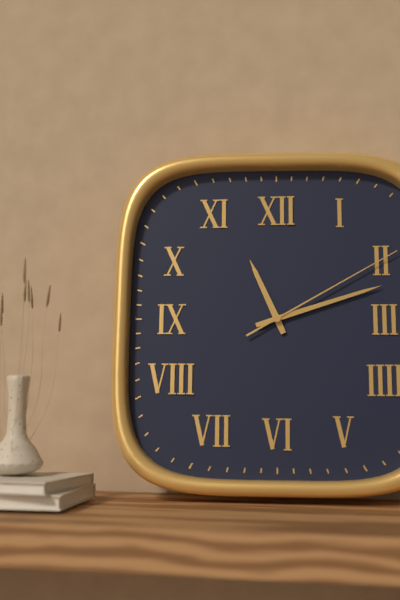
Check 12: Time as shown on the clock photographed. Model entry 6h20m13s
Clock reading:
11h12m10s
